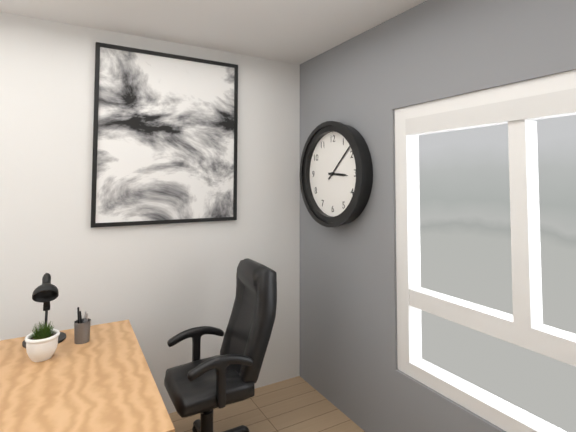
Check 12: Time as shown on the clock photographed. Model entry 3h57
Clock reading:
3h08
